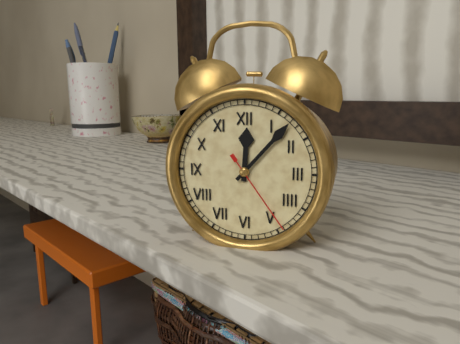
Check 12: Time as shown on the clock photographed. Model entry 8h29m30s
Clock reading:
12h07m24s
